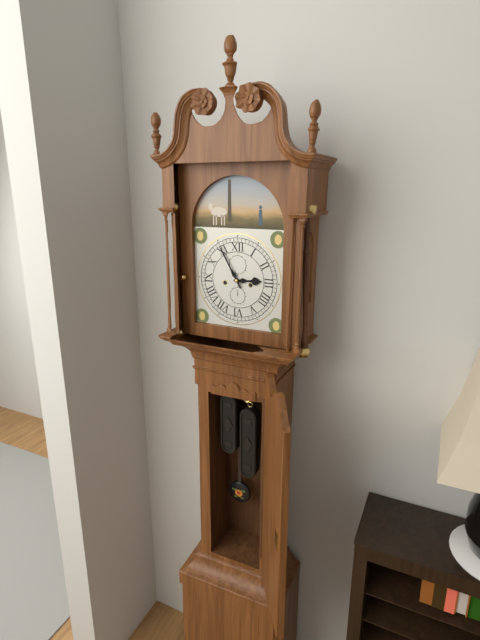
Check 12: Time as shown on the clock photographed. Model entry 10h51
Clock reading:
2h55
